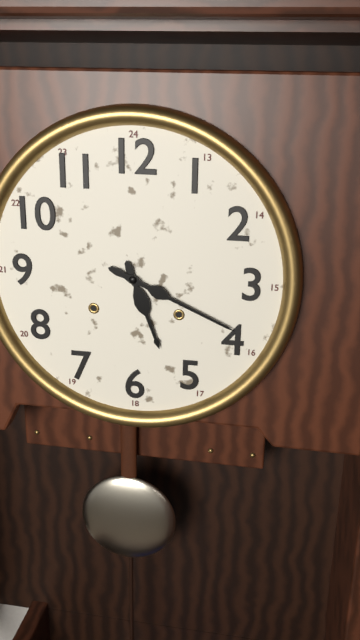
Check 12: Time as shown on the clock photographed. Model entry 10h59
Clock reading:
5h19
